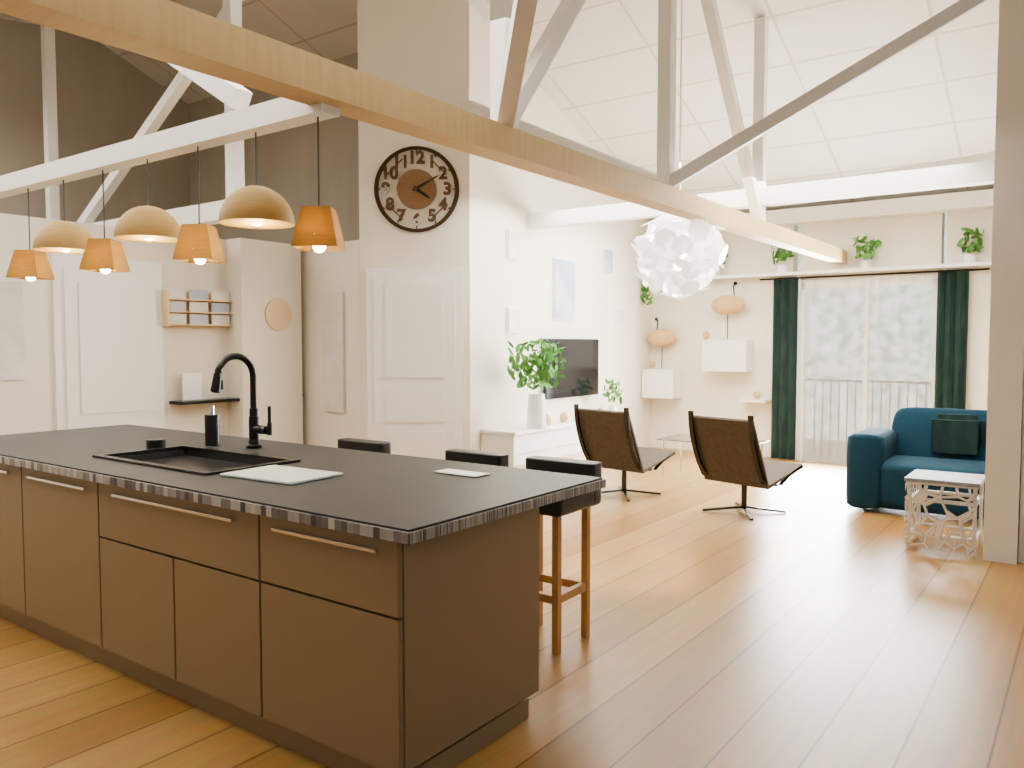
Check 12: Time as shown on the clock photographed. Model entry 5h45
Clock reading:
4h10
